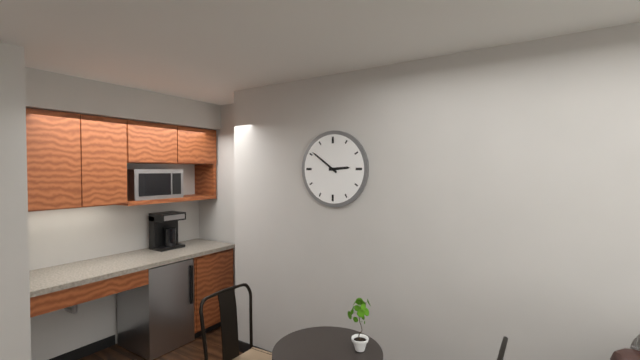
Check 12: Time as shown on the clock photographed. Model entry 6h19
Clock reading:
2h51
